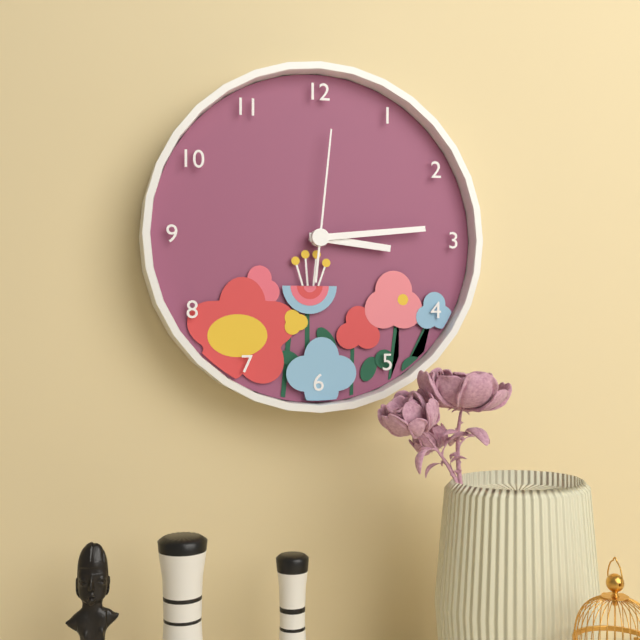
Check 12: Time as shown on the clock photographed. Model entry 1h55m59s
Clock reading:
3h14m01s
